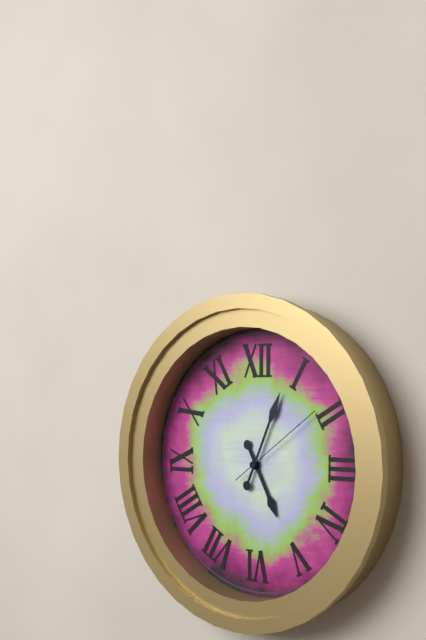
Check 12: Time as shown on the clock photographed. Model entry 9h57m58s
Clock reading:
5h04m09s
